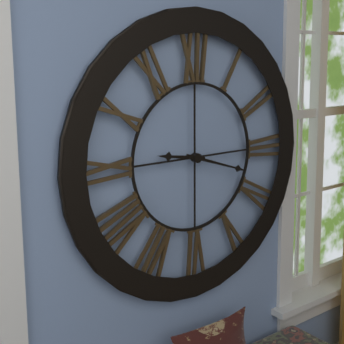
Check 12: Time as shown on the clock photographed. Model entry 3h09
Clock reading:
9h18
